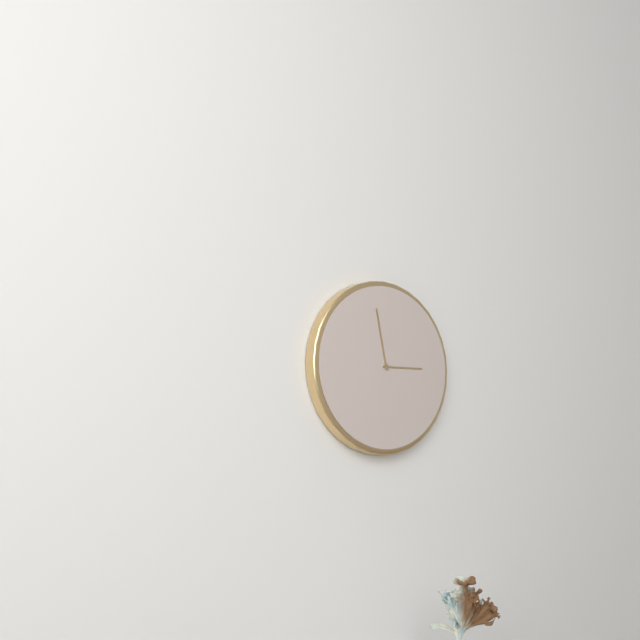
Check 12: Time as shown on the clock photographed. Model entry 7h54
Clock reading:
2h58
